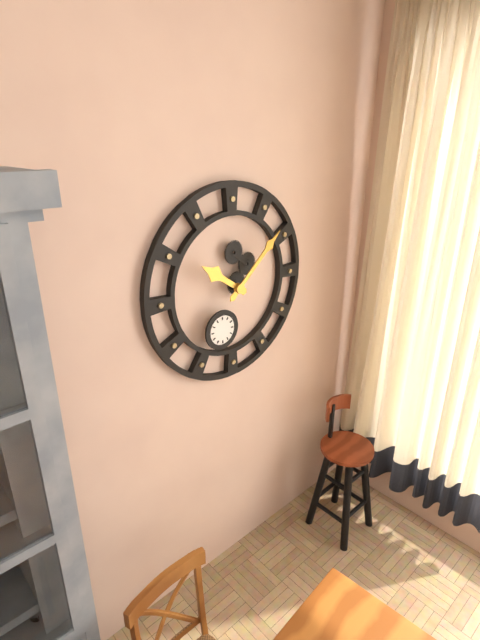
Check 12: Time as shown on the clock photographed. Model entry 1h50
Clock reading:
10h08
